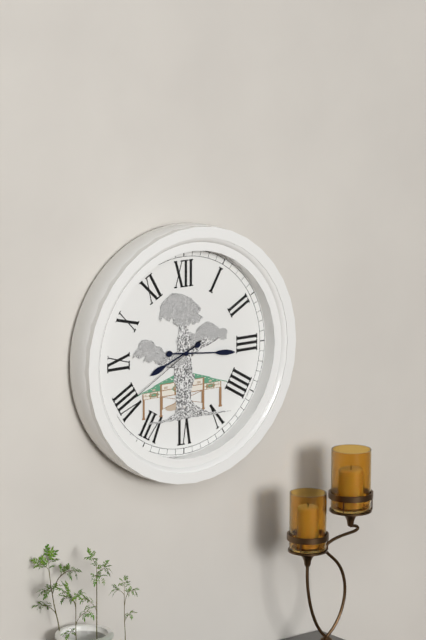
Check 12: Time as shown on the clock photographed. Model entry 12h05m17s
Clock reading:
8h16m40s
